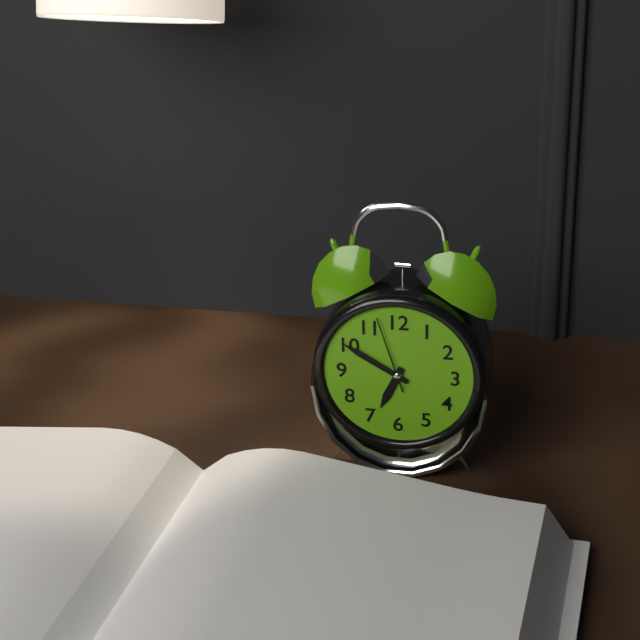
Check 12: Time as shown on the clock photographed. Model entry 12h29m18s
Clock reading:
6h50m57s
